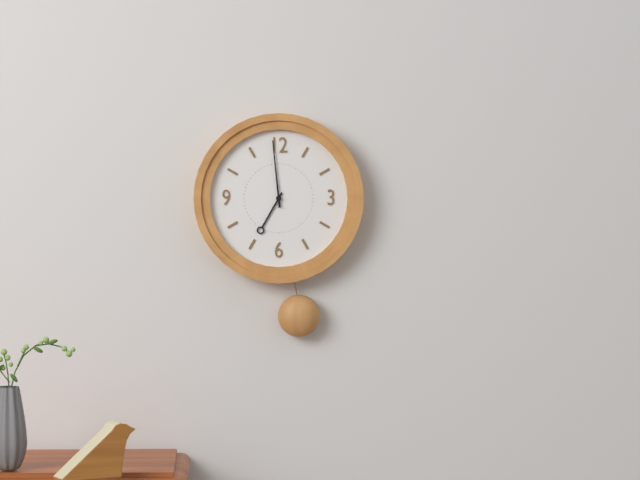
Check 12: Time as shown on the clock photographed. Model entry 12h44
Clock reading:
6h59
